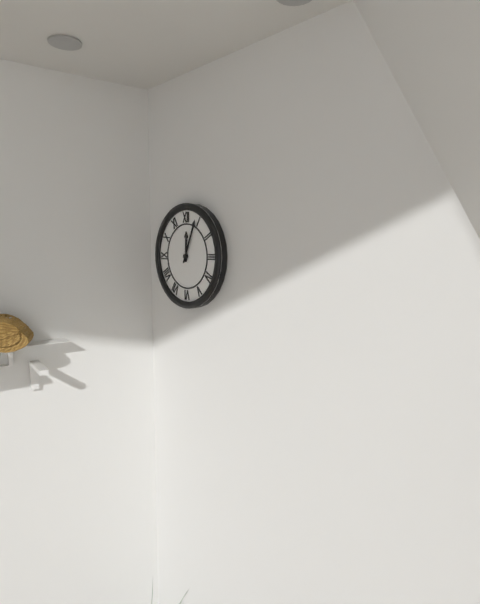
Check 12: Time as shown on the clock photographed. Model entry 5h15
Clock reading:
12h04
